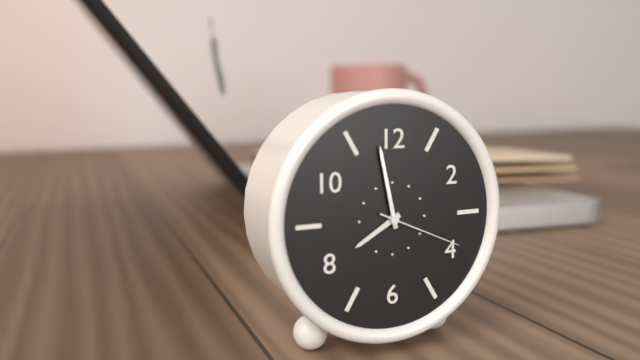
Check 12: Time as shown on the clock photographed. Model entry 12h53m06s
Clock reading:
7h58m19s
